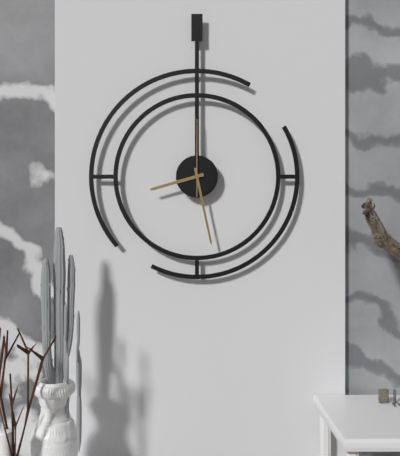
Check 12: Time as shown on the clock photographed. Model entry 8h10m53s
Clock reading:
8h28m00s
